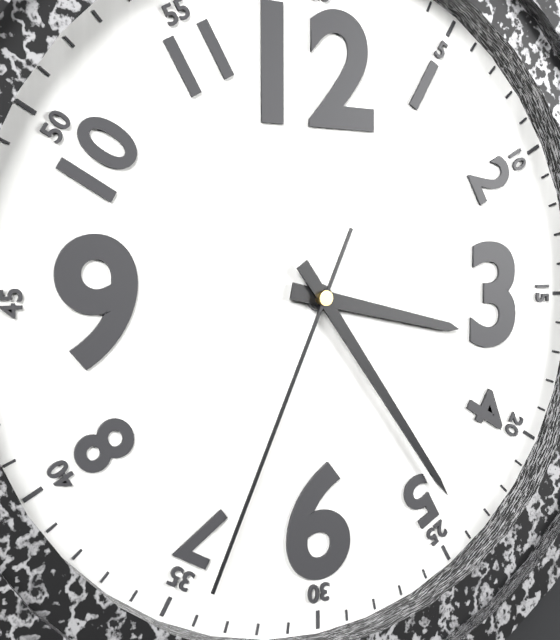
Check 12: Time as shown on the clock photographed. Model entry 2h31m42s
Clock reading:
3h24m34s
